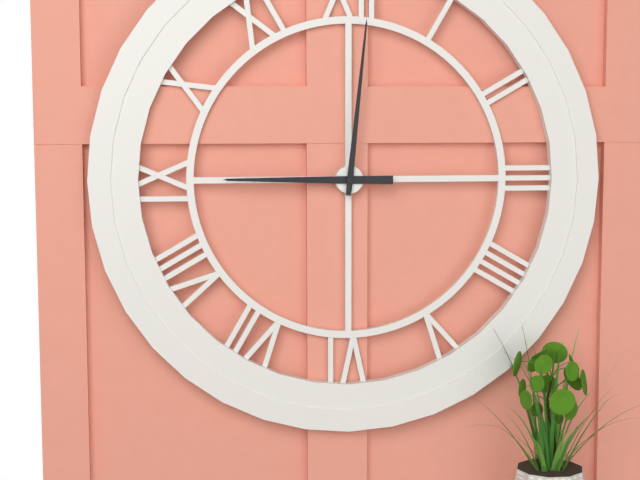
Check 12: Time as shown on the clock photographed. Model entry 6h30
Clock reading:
9h01
